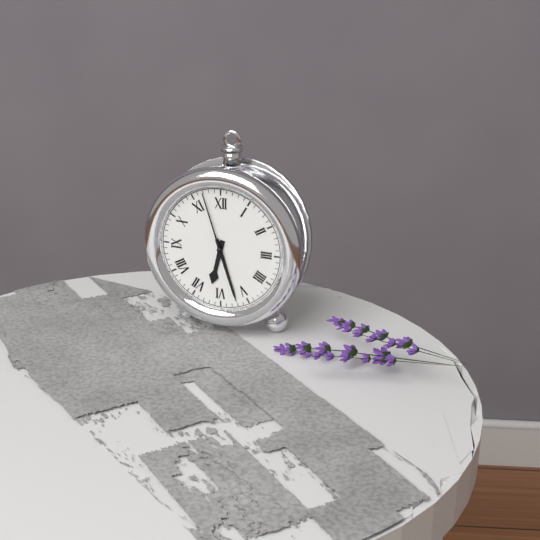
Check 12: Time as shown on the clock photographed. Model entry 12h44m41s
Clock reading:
6h27m57s
